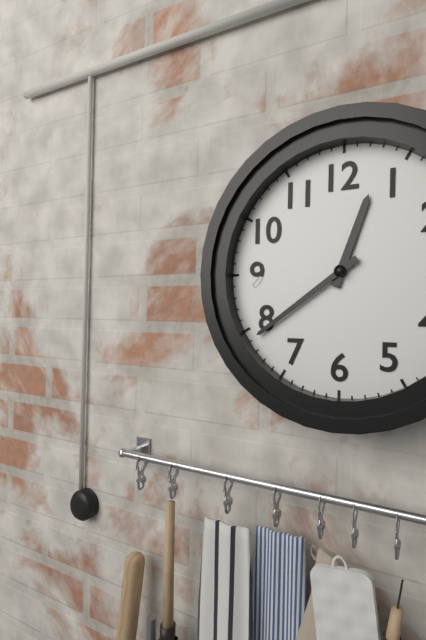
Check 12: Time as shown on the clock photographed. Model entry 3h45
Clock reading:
12h39
